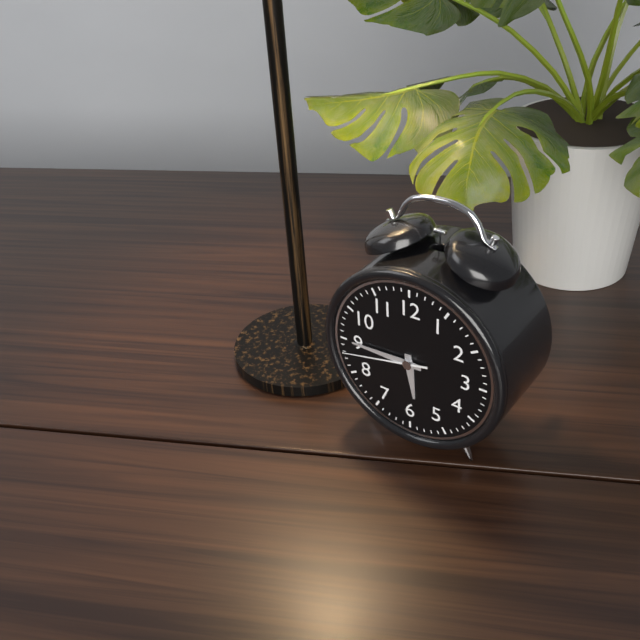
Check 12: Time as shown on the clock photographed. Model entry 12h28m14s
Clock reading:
5h45m43s
